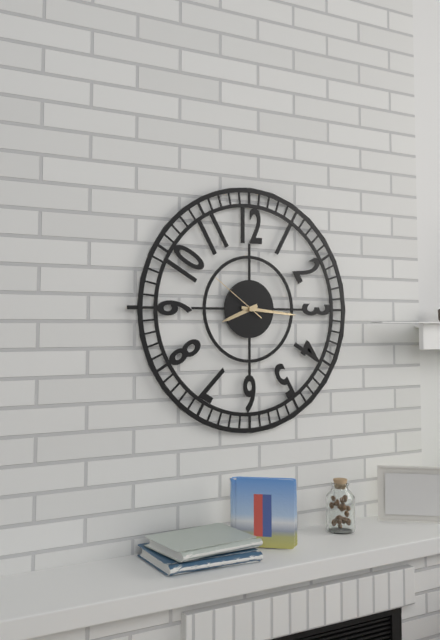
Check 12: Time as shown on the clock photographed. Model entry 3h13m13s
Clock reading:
8h16m51s
